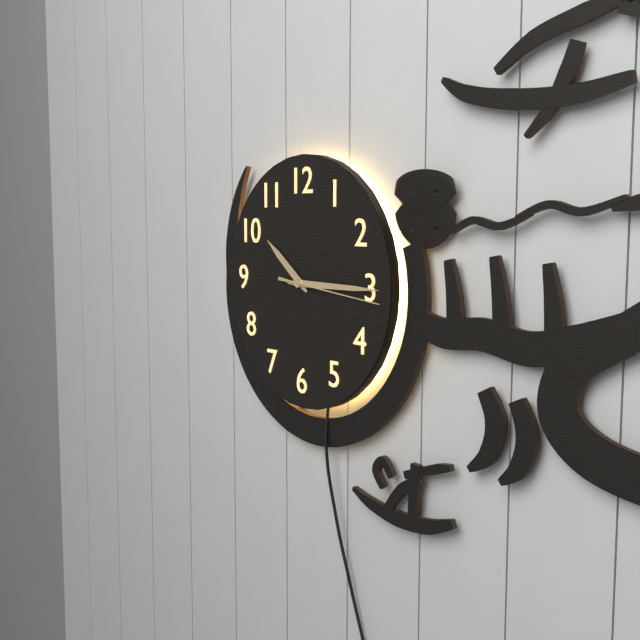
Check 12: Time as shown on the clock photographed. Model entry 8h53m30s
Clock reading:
10h15m16s
